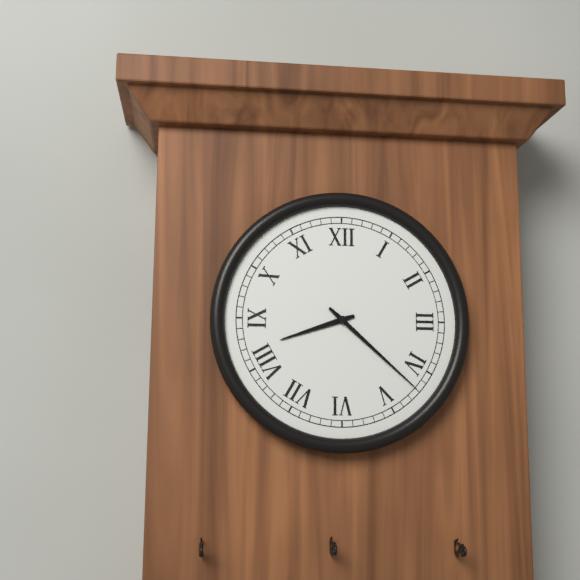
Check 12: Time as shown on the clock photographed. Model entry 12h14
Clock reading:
8h22
